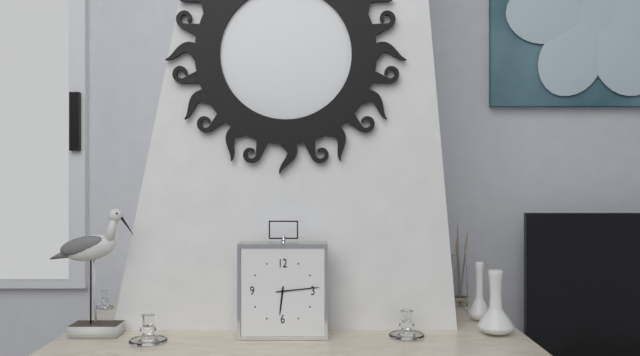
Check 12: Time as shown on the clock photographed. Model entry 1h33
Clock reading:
6h14
